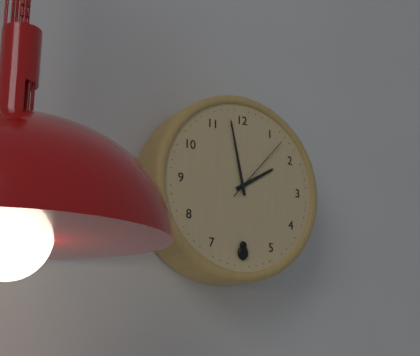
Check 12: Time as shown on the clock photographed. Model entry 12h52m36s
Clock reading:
1h58m07s
